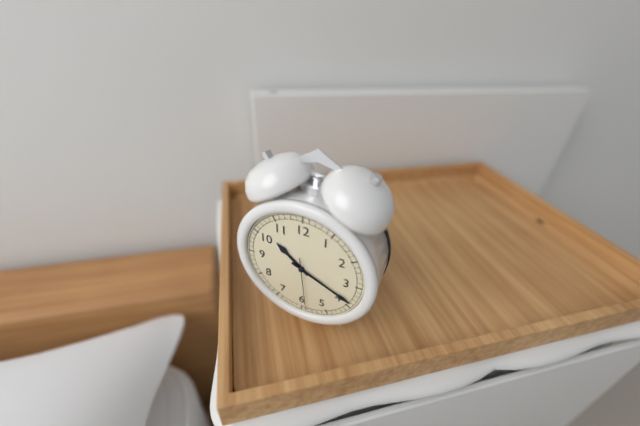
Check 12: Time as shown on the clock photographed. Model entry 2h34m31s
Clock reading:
10h19m29s
